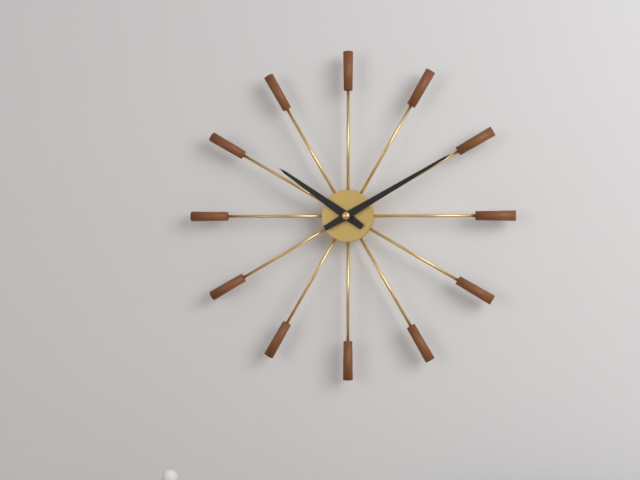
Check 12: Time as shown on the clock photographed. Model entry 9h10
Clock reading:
10h10
